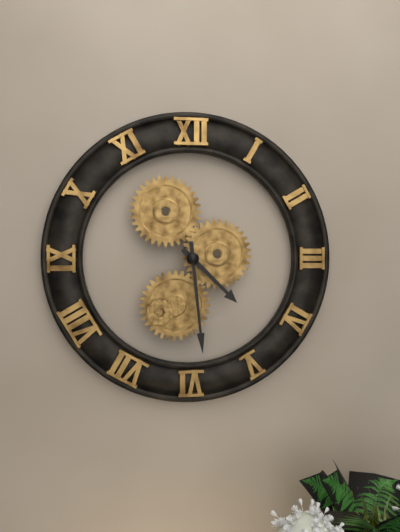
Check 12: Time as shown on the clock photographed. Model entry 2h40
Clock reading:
4h29
